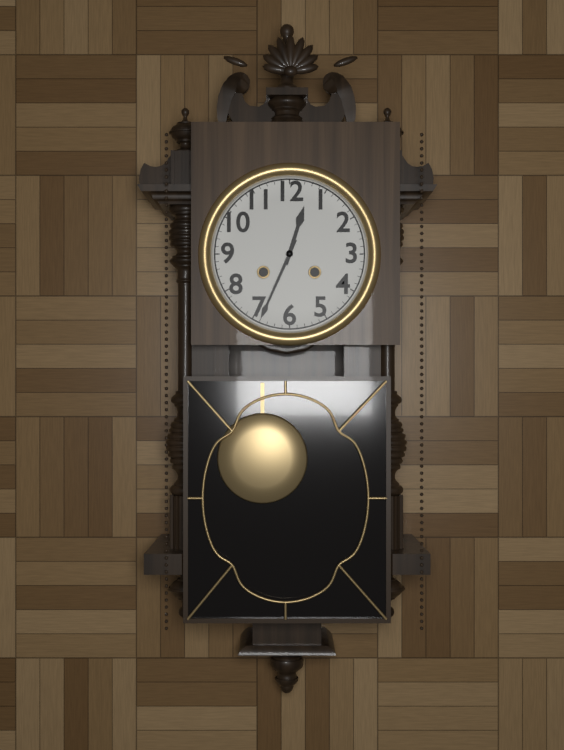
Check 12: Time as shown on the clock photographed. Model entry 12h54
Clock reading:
12h34
